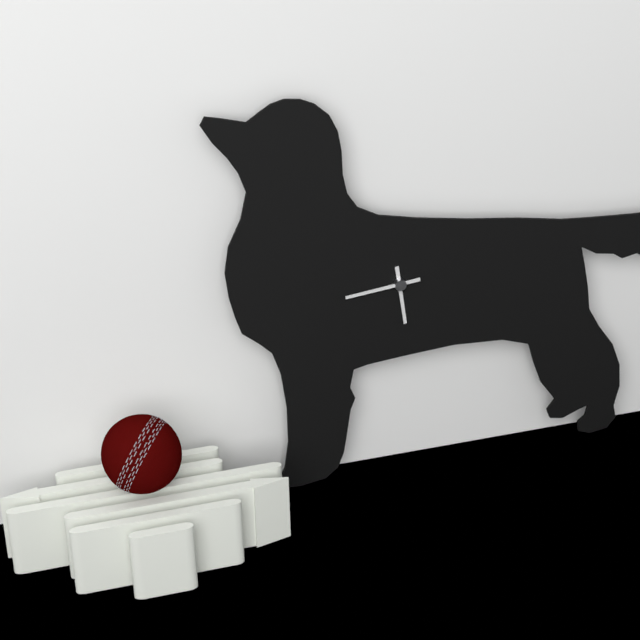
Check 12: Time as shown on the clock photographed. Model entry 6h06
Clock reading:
5h44
